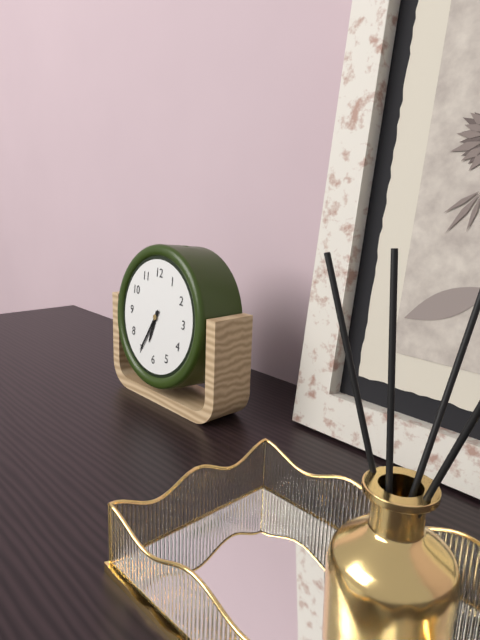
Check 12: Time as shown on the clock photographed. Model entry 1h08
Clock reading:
6h35
